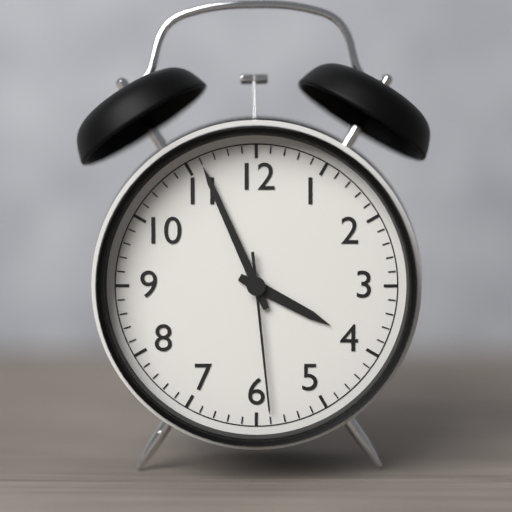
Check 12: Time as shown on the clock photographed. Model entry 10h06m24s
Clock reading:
3h56m29s
